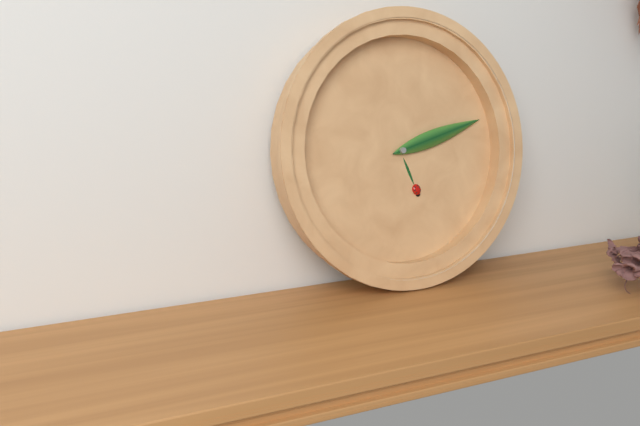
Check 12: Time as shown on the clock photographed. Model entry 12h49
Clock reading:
5h12
